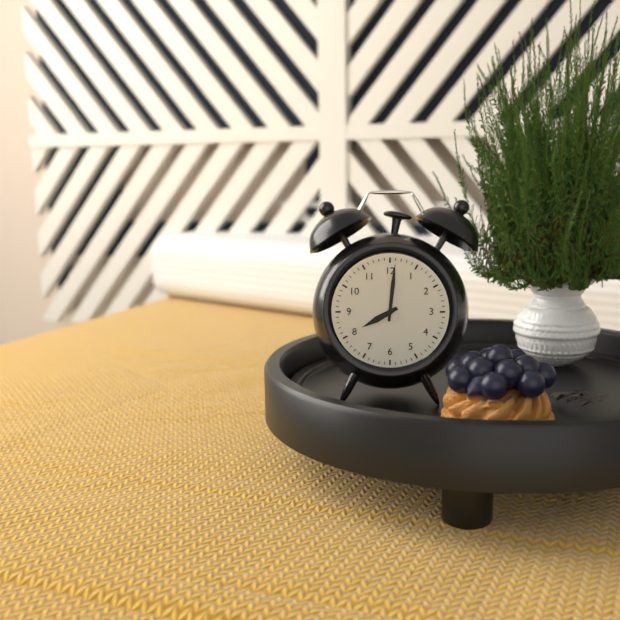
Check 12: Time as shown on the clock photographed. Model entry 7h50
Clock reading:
8h01
